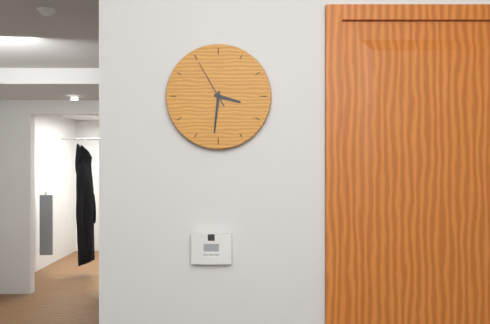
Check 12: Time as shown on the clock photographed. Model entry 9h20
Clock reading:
3h31
